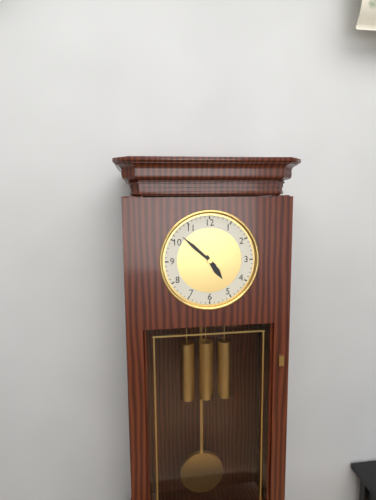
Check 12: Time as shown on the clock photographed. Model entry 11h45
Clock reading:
4h52
